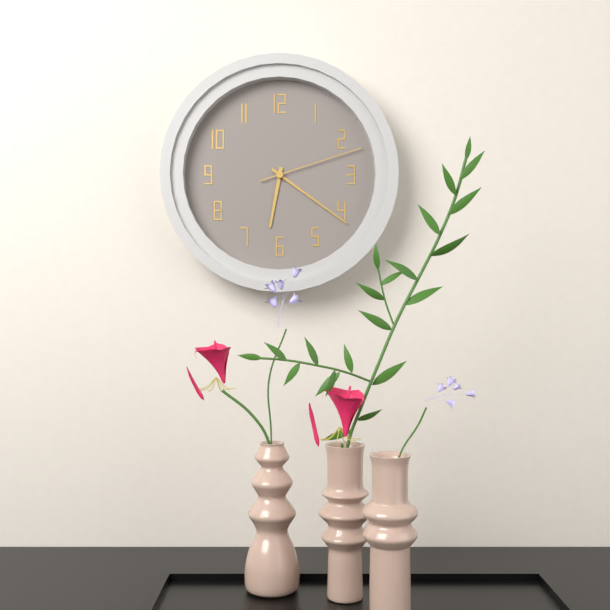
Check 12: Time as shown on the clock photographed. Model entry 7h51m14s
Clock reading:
6h21m12s
